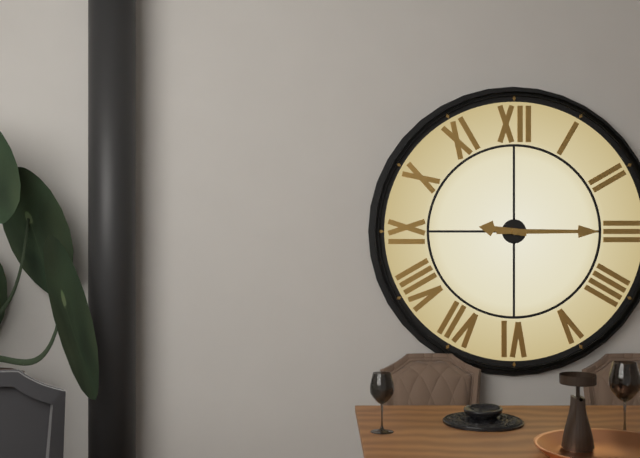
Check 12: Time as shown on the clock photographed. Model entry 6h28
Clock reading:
9h15
